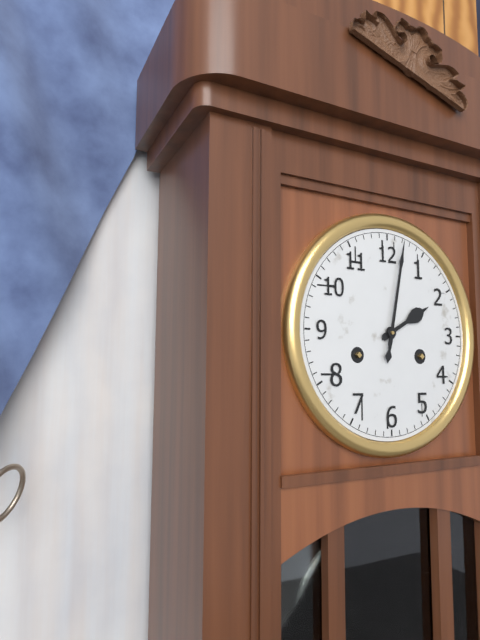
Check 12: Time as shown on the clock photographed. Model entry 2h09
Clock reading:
2h02
